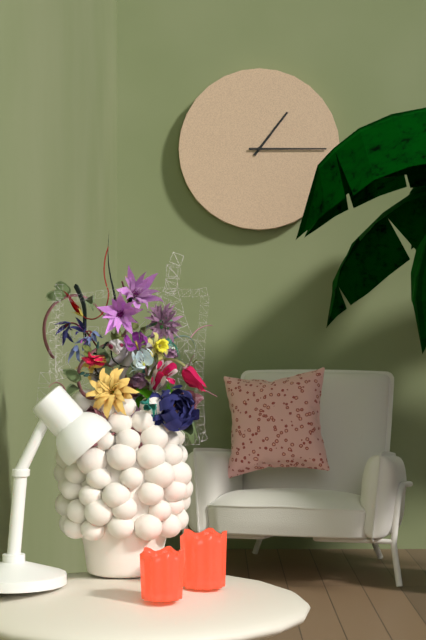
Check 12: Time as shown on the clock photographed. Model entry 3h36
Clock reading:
1h15
